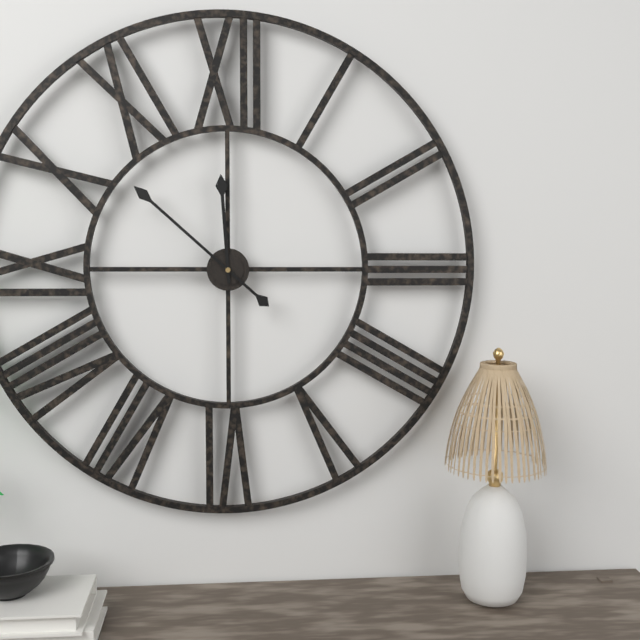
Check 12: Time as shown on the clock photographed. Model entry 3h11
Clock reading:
11h52
